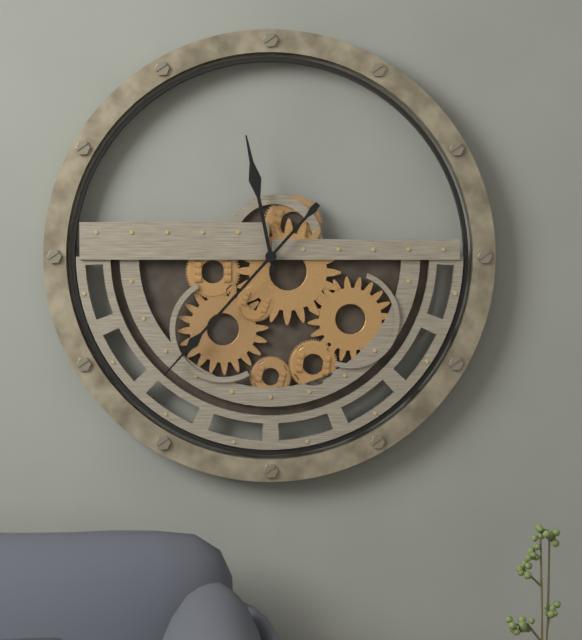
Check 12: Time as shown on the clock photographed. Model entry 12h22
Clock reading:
11h37
